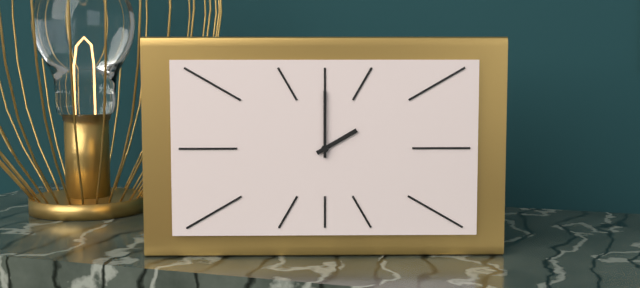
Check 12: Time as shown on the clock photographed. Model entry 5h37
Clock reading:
2h00
